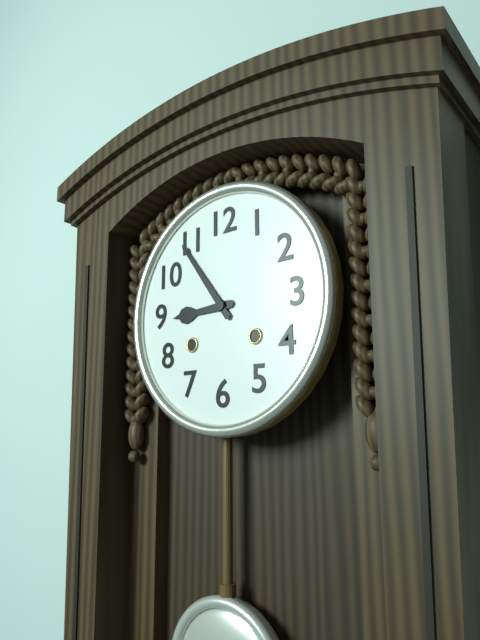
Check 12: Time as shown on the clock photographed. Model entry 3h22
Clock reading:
8h54
